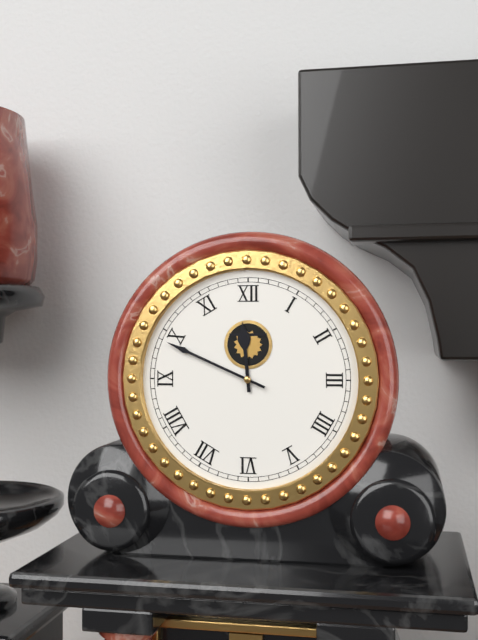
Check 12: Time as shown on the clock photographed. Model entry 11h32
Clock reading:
11h49
